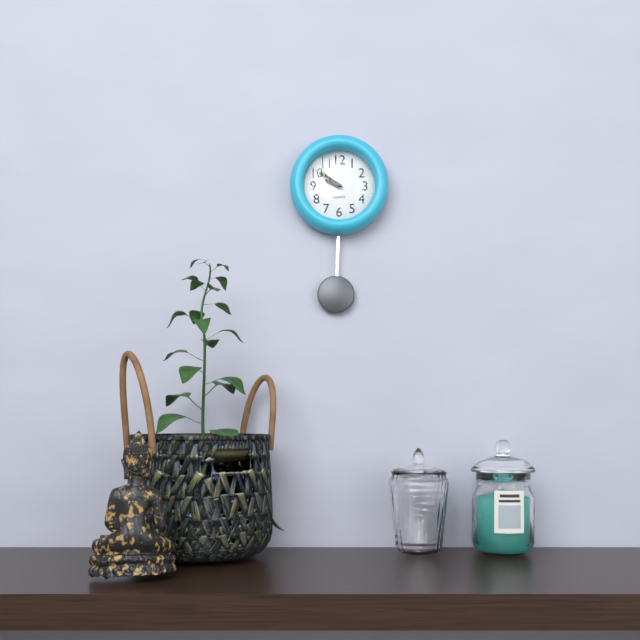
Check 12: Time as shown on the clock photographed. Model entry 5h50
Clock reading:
9h51
